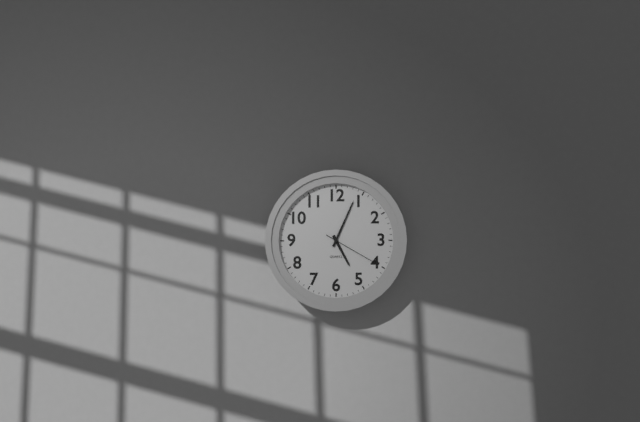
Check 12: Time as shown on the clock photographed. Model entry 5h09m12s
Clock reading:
5h04m20s
